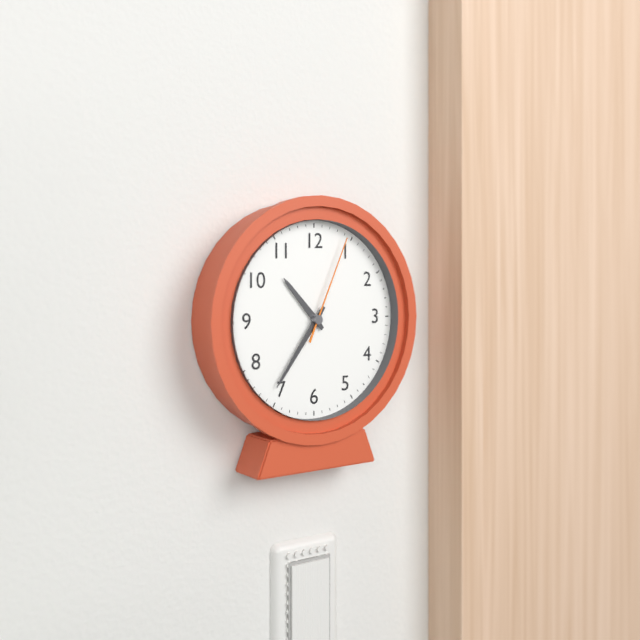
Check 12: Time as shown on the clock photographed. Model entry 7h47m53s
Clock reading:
10h36m04s
